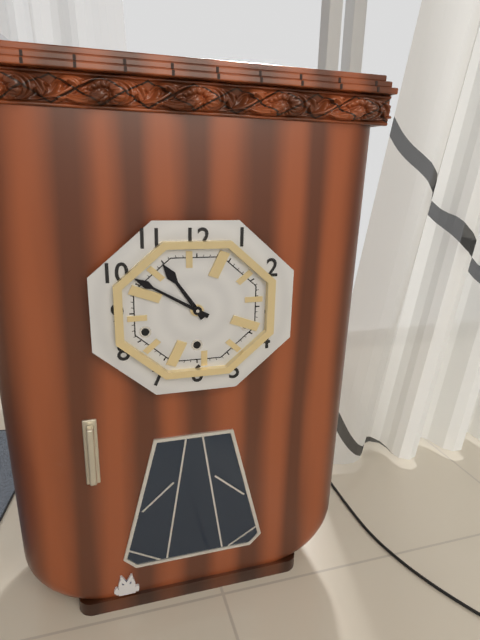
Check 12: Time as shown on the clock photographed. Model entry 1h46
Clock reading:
10h50
